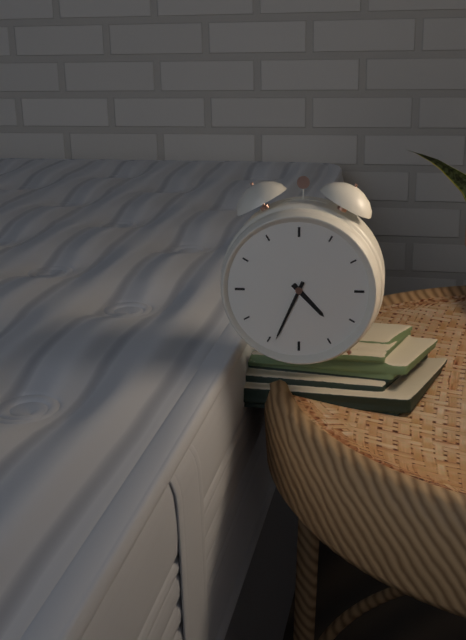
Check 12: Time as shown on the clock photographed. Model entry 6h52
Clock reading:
4h34
